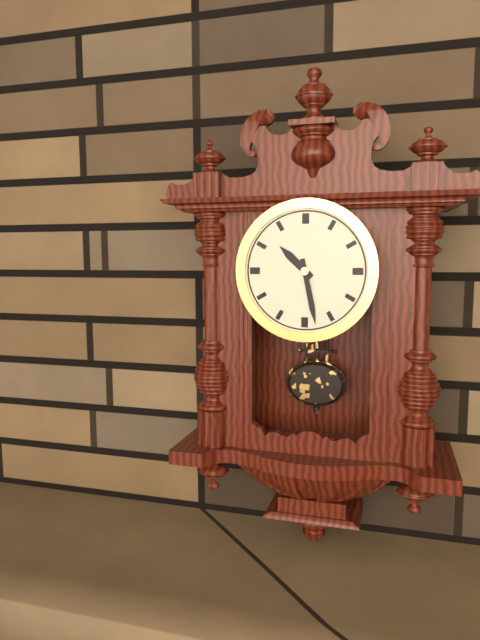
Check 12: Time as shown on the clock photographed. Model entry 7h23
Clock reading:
10h28
